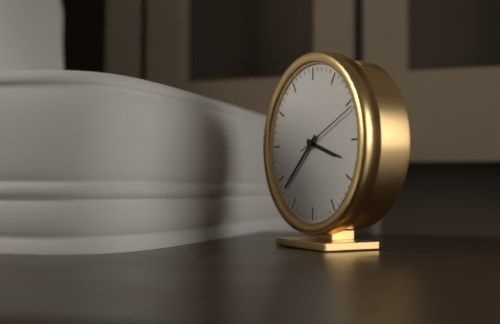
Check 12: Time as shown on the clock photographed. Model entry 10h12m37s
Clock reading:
3h38m11s
